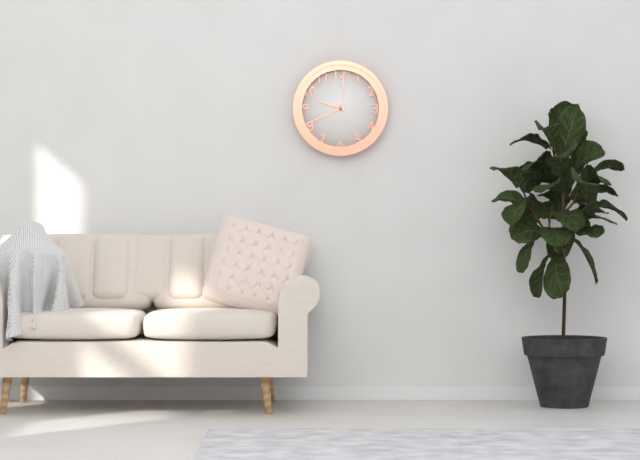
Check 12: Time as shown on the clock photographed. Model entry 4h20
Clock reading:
9h41
